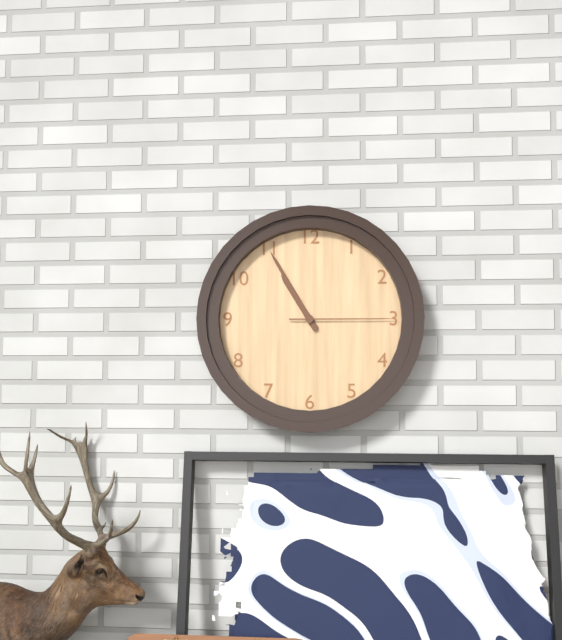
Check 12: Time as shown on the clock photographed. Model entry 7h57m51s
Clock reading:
10h55m15s
